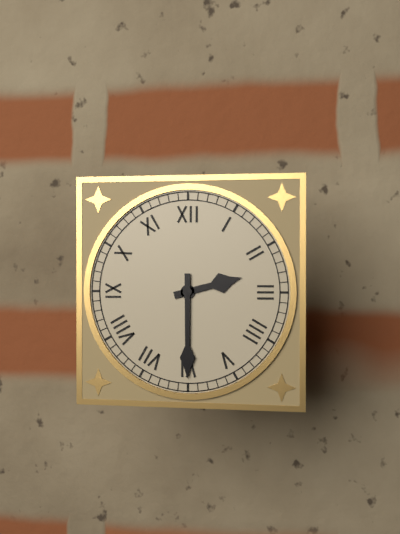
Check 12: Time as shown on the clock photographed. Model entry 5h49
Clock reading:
2h30
